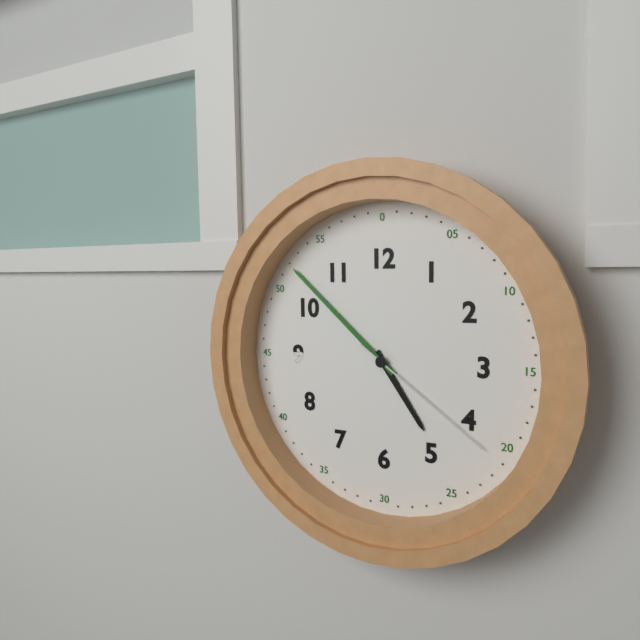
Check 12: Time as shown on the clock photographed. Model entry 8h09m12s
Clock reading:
4h52m21s
